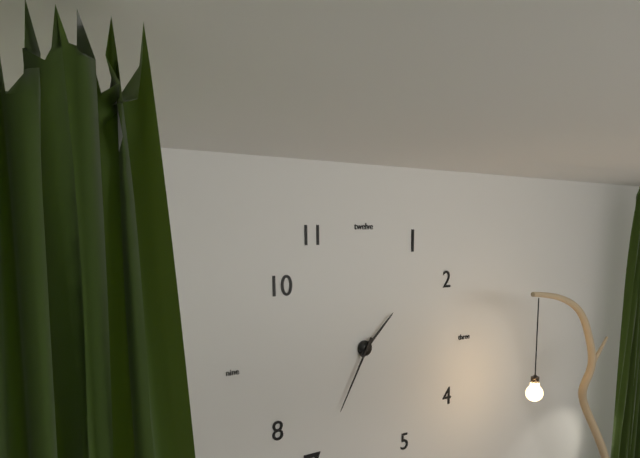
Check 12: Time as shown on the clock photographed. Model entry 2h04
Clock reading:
1h35
